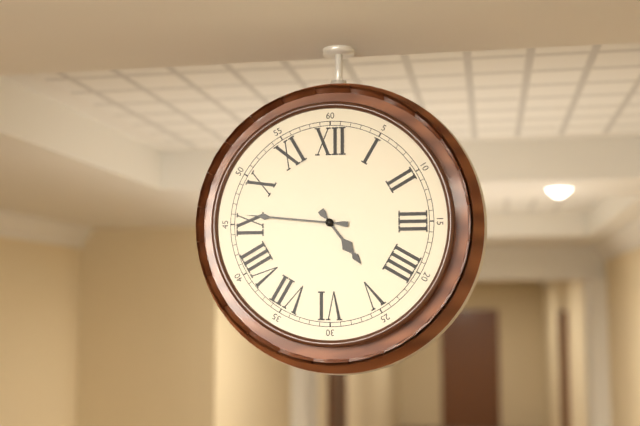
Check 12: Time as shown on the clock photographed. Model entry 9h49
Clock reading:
4h46
